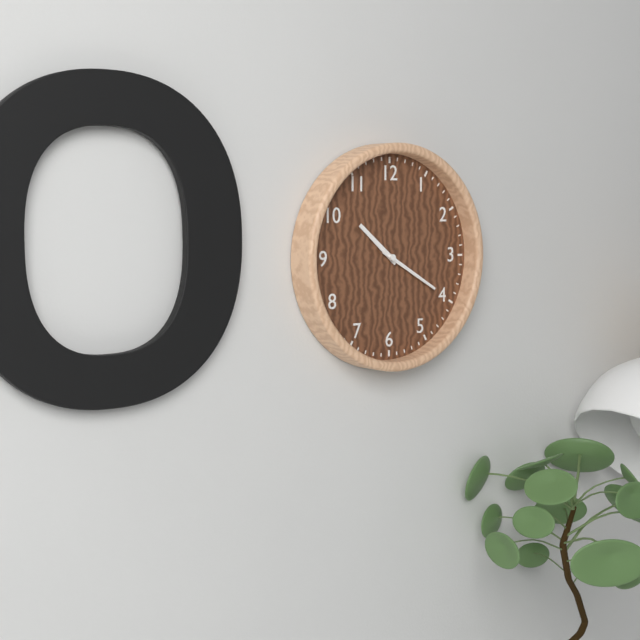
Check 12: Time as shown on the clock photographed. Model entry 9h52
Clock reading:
10h20
